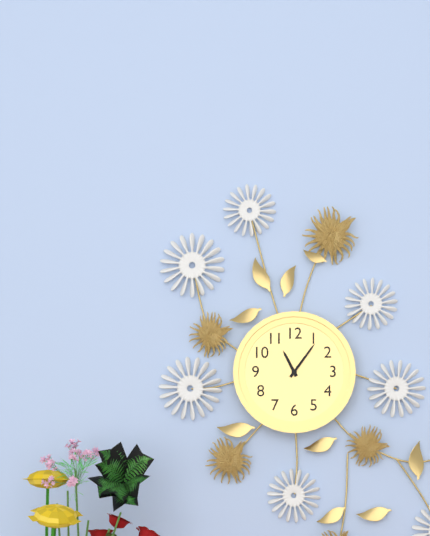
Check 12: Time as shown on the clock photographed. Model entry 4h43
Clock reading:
11h06
